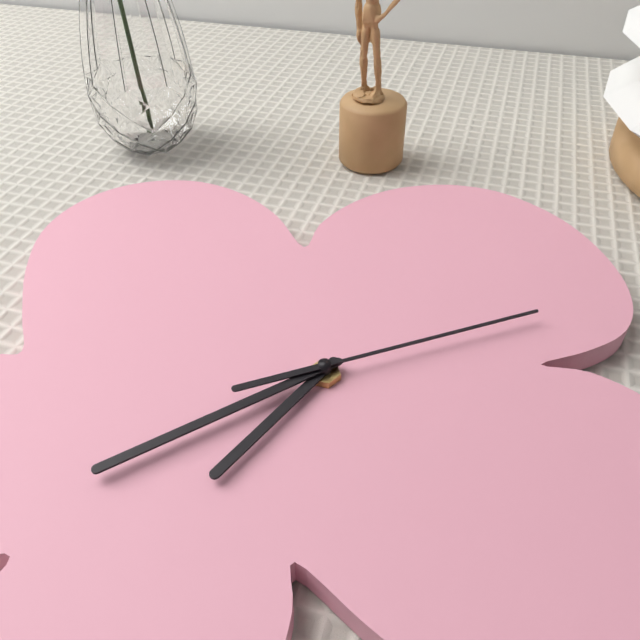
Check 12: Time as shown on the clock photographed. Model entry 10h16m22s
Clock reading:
7h42m14s
